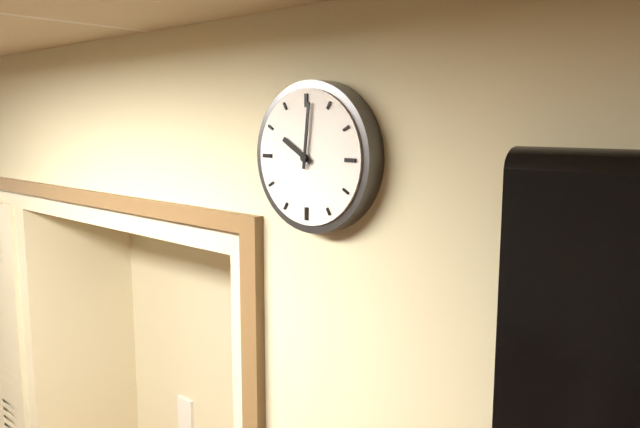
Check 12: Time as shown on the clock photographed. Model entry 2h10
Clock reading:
10h01
